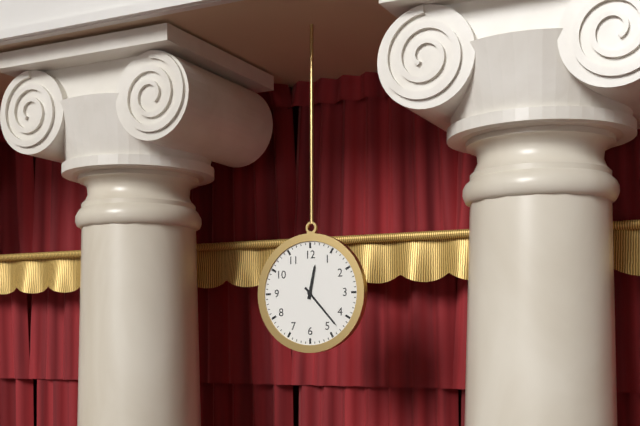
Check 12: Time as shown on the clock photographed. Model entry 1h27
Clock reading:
12h23
